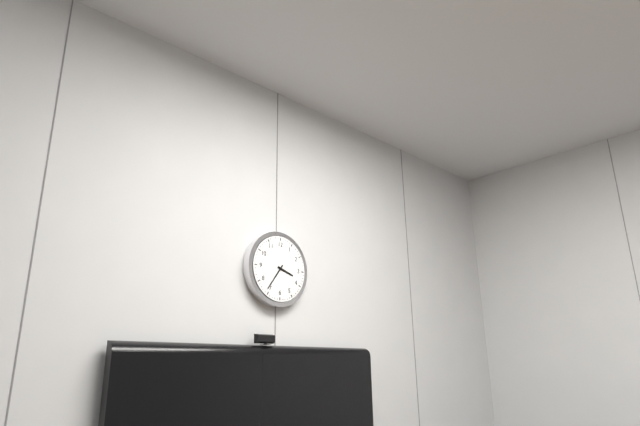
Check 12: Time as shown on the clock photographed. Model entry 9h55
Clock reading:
3h36
